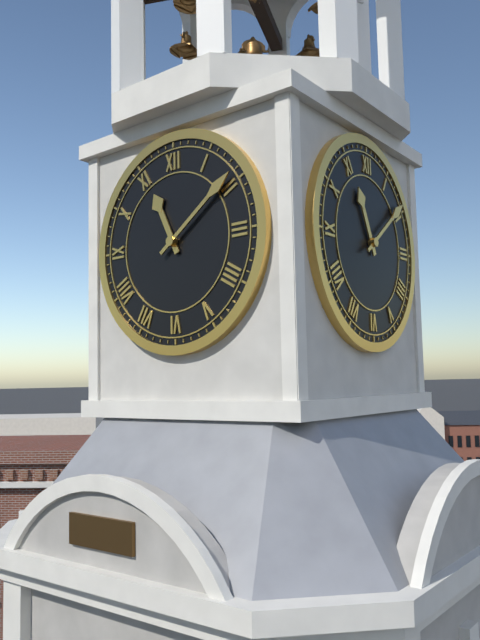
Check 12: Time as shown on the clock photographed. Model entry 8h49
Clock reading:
11h09
